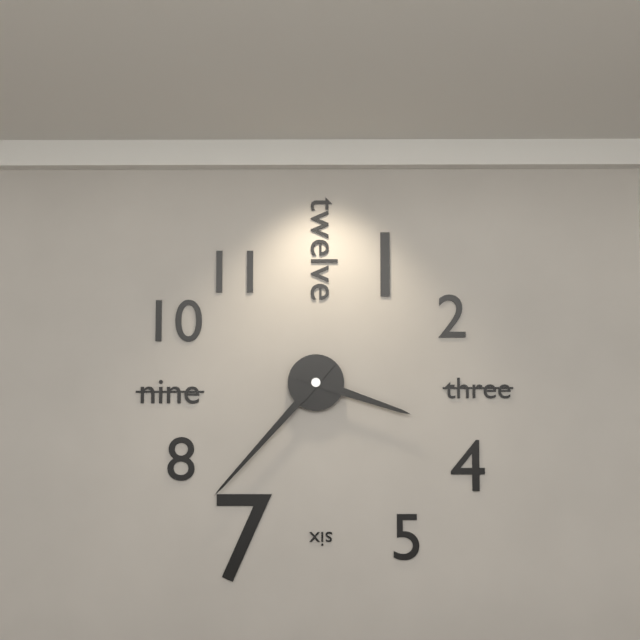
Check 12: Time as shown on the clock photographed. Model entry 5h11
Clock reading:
3h37
